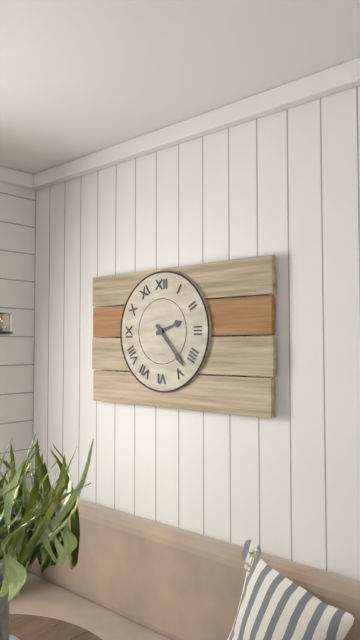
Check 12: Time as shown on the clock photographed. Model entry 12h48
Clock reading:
2h23
